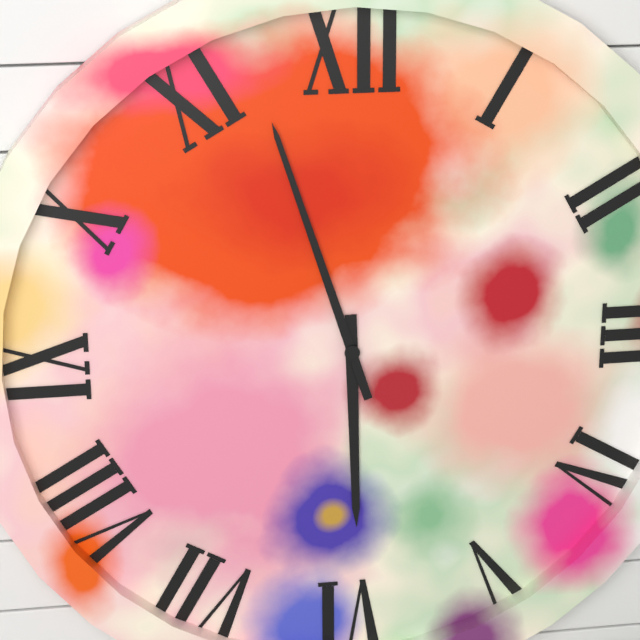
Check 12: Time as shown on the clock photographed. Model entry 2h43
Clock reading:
5h57
